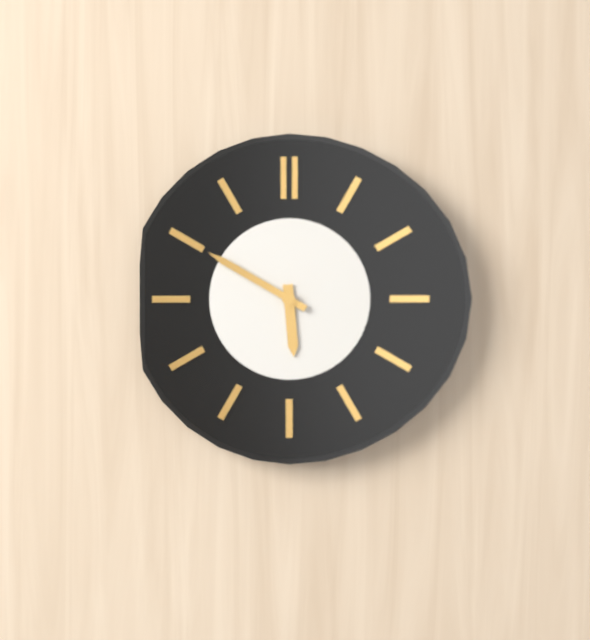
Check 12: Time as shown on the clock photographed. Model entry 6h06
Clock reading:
5h50
